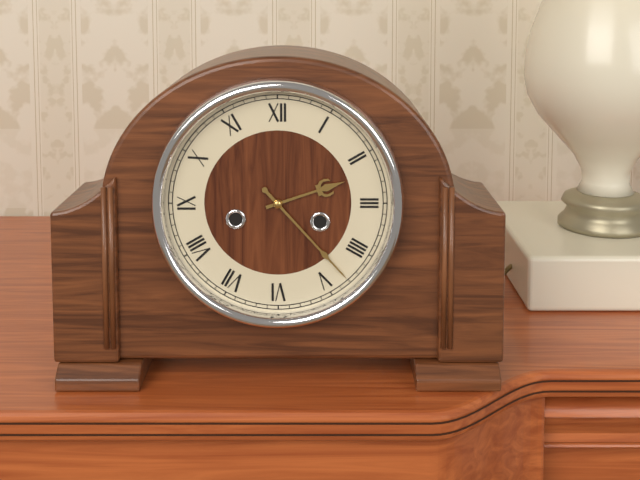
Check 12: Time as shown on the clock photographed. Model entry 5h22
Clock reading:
2h23
